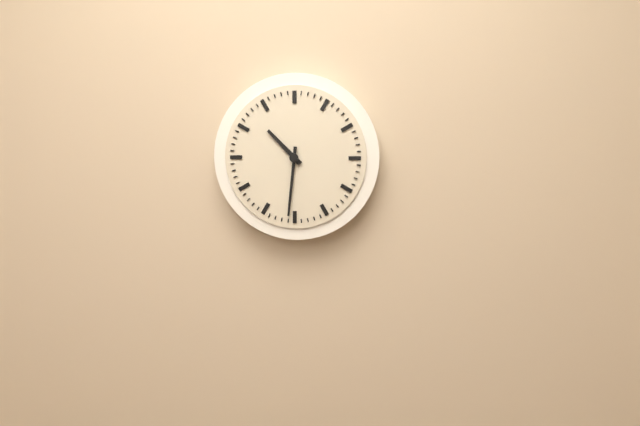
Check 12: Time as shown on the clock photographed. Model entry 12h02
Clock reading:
10h31
